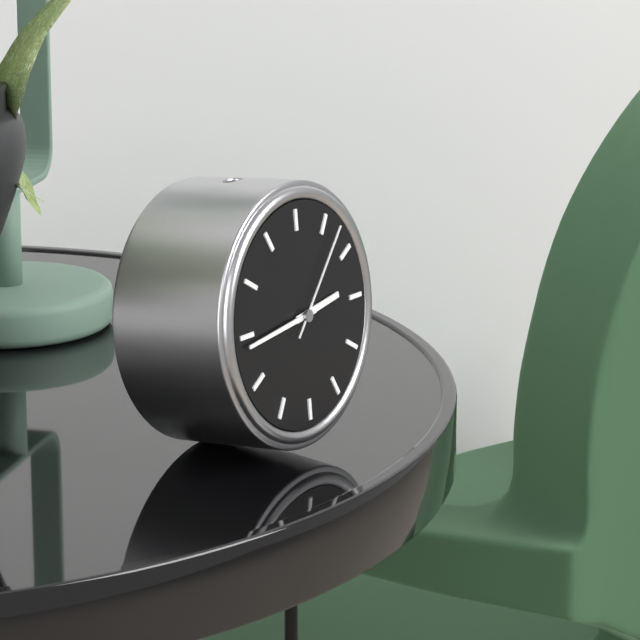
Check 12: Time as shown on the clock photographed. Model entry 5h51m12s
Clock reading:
2h44m07s
